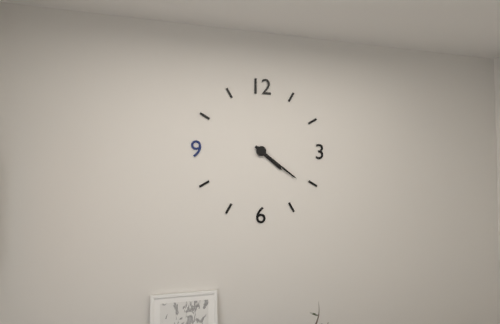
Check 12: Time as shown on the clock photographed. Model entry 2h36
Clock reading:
4h21
